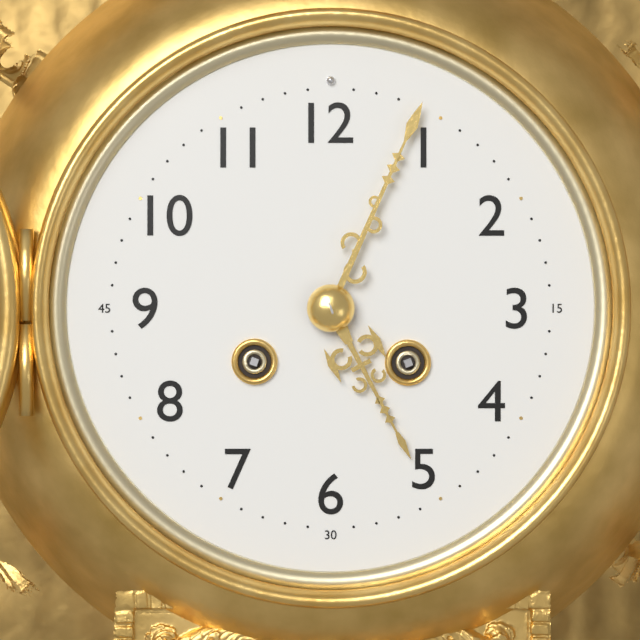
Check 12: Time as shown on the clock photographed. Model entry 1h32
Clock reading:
5h04
